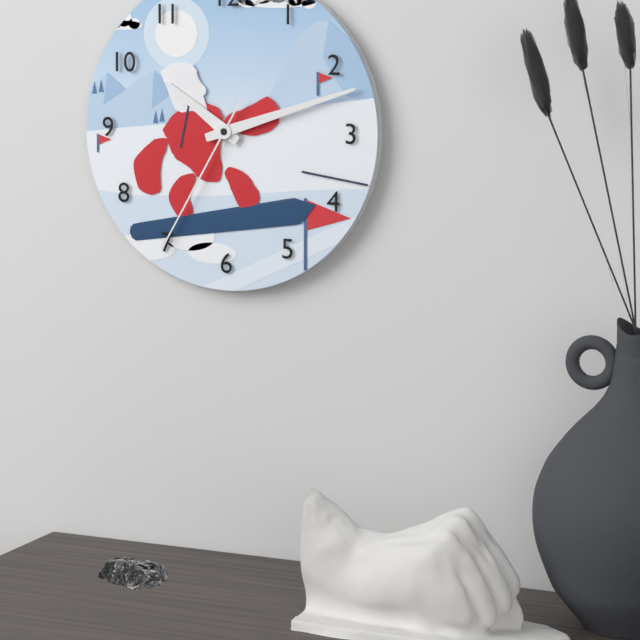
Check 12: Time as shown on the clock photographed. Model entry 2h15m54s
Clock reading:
10h12m35s
